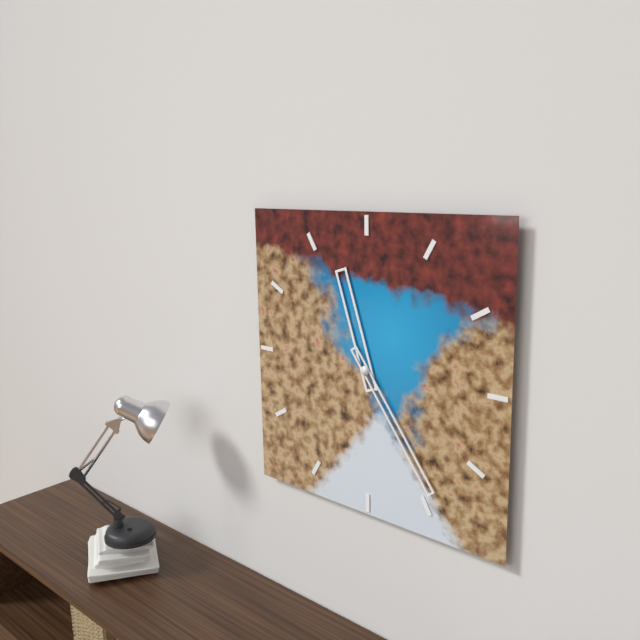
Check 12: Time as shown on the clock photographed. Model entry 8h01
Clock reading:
11h24
